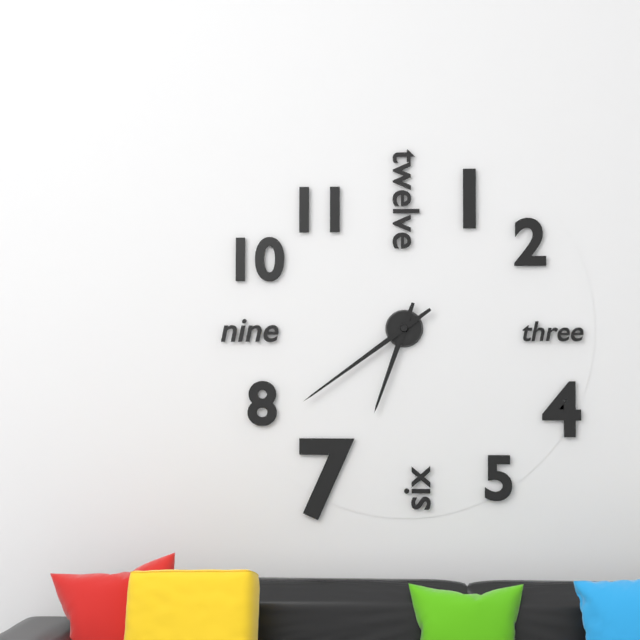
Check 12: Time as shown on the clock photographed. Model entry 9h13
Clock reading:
6h39
